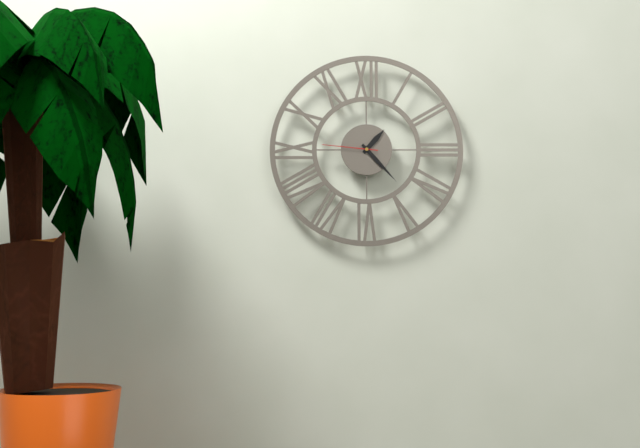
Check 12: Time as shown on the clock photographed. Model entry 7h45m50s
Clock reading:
1h23m46s
